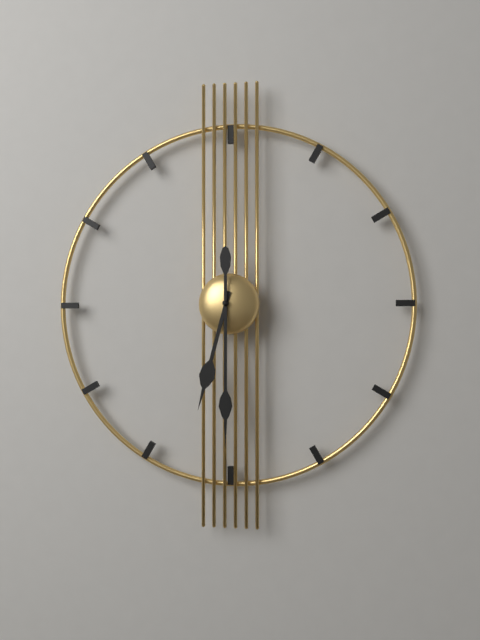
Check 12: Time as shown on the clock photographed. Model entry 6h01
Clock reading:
6h30
